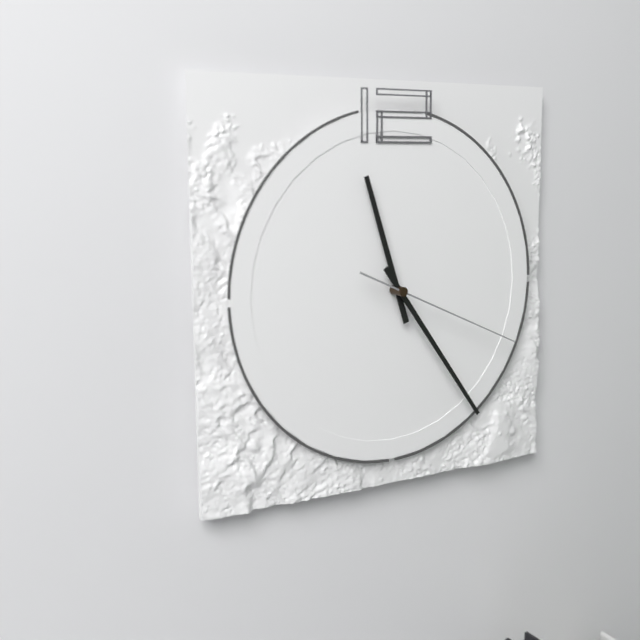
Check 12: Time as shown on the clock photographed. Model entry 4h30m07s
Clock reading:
11h24m19s
